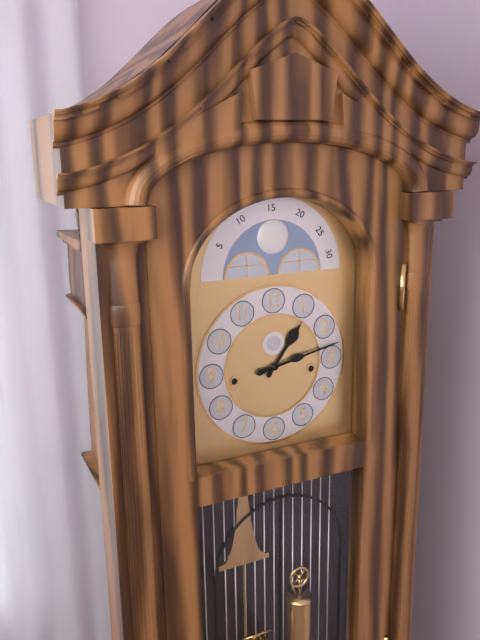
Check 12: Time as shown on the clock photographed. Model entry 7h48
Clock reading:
1h13
